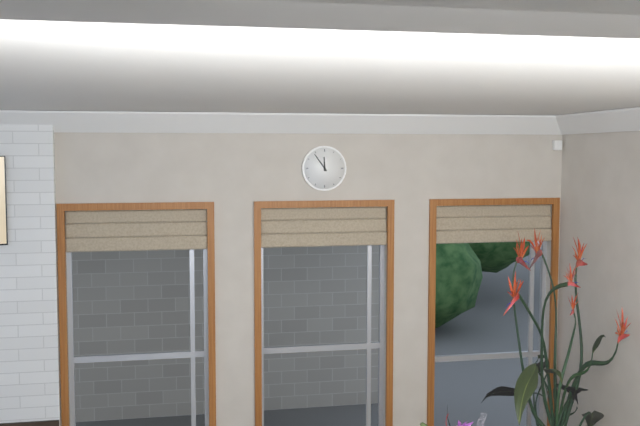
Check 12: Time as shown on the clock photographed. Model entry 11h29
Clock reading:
11h54
